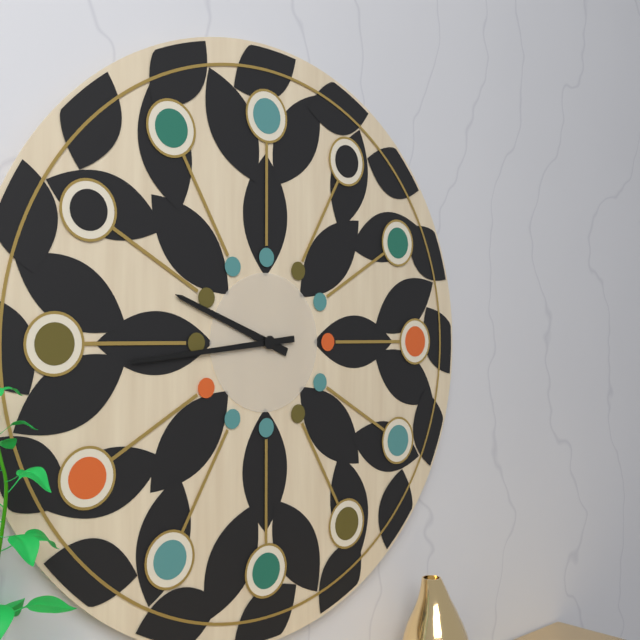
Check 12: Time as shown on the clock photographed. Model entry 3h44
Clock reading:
9h44
